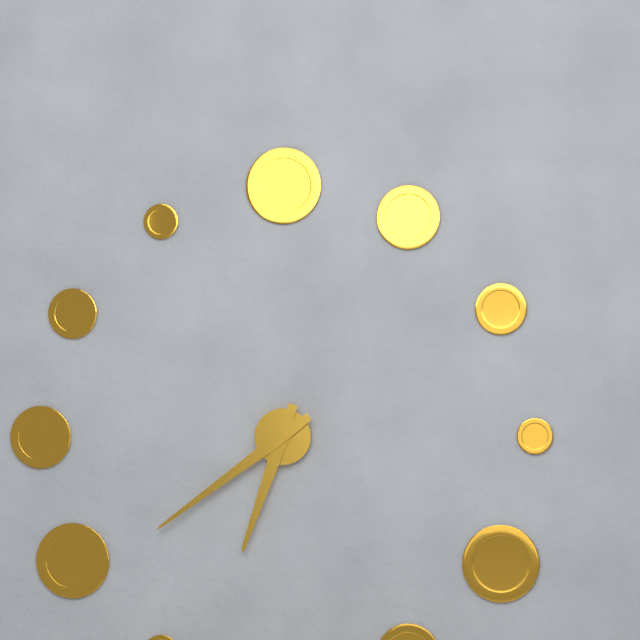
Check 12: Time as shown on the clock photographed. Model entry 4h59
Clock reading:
6h39
